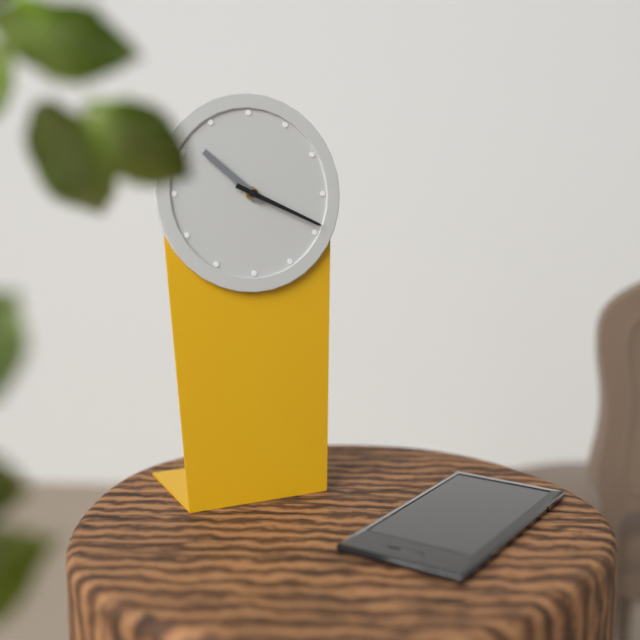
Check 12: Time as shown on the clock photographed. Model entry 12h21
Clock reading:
10h19
